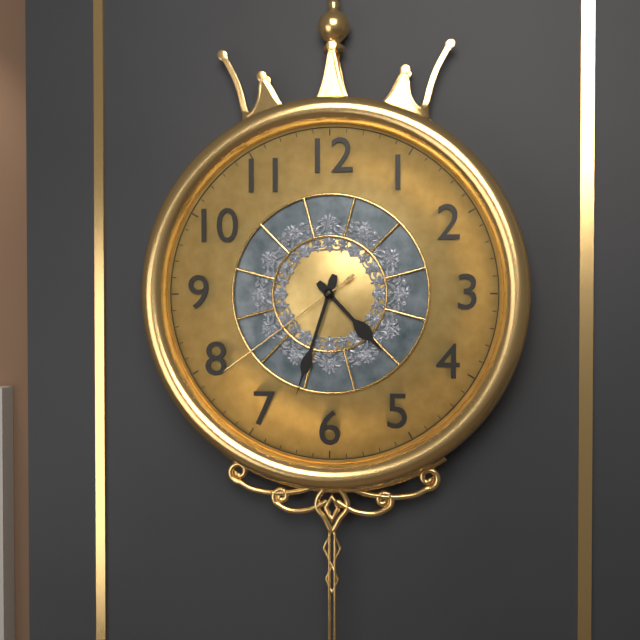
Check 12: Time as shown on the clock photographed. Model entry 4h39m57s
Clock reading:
4h33m39s
